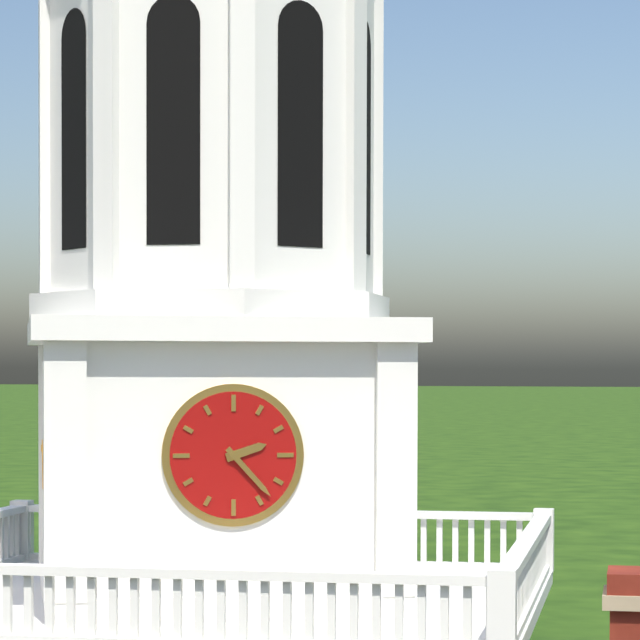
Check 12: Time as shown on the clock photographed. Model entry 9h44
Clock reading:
2h23
